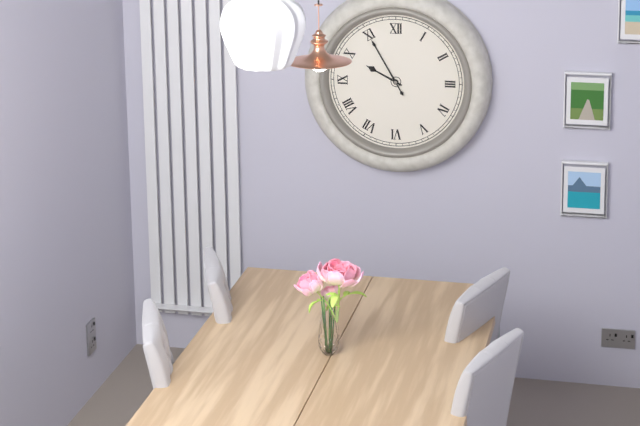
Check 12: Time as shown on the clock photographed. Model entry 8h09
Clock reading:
9h55
